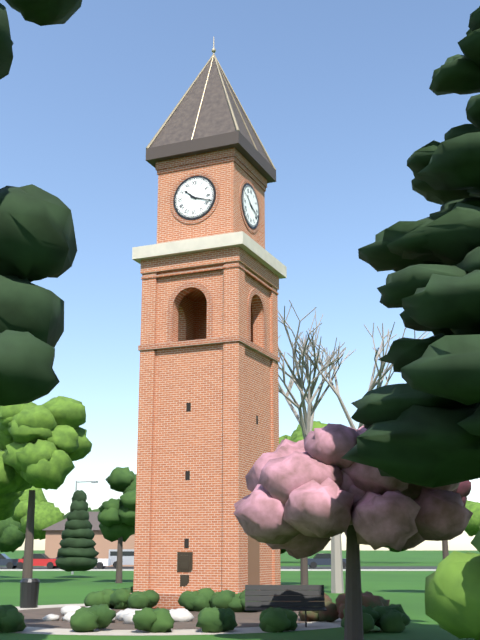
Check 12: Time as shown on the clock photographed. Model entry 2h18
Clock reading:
10h18
